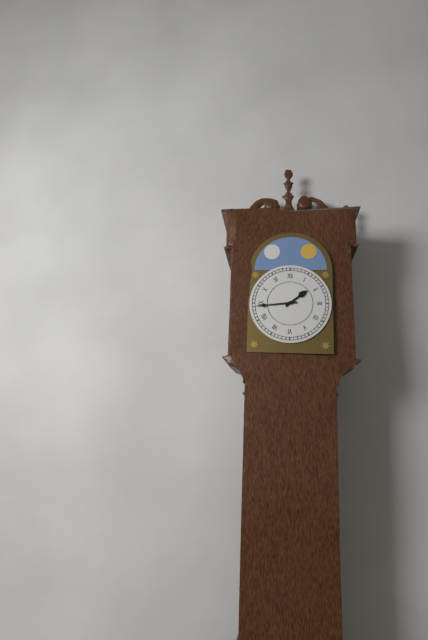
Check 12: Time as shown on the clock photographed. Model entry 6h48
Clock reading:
1h44
